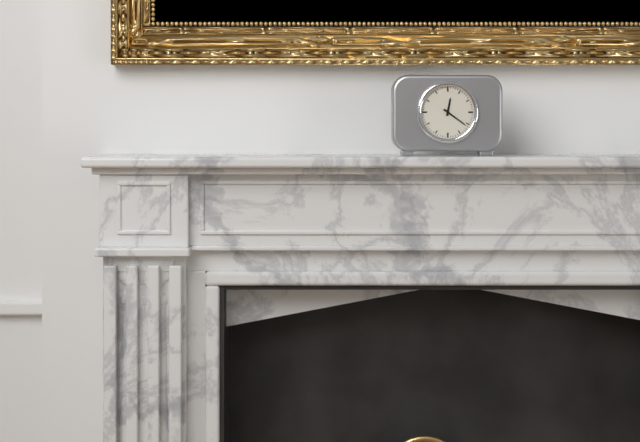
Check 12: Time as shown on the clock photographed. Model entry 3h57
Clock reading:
12h21
